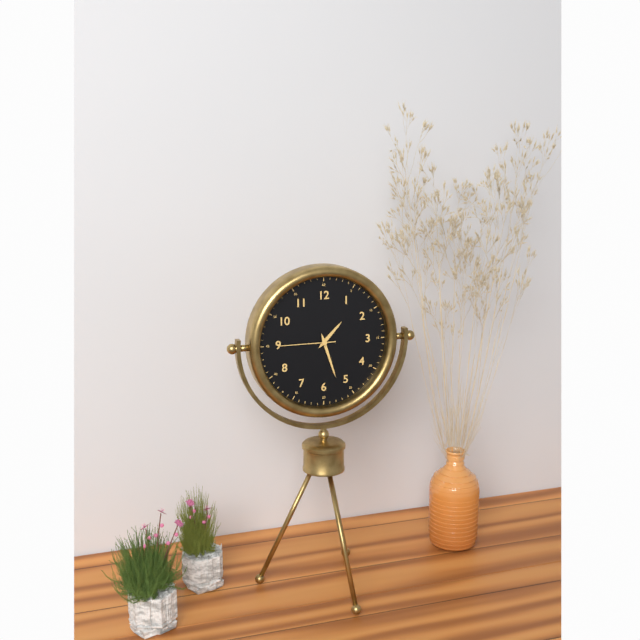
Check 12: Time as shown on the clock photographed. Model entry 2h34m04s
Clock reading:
1h27m45s
